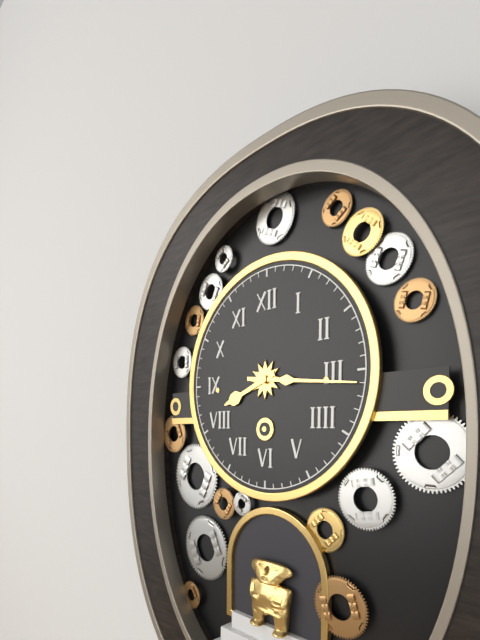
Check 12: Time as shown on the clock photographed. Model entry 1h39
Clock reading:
8h16
